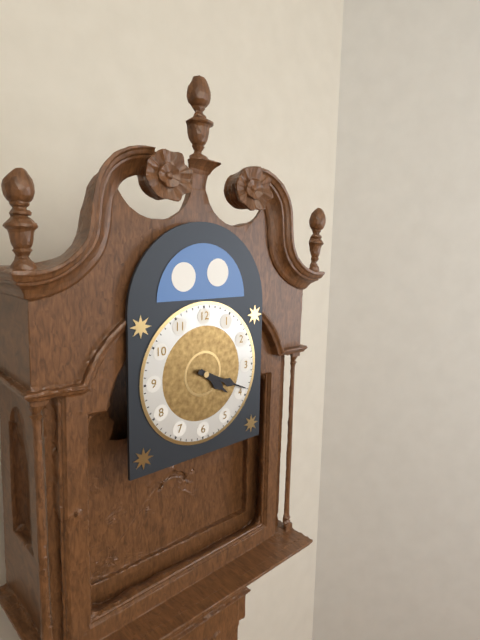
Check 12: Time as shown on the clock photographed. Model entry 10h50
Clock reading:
4h19
